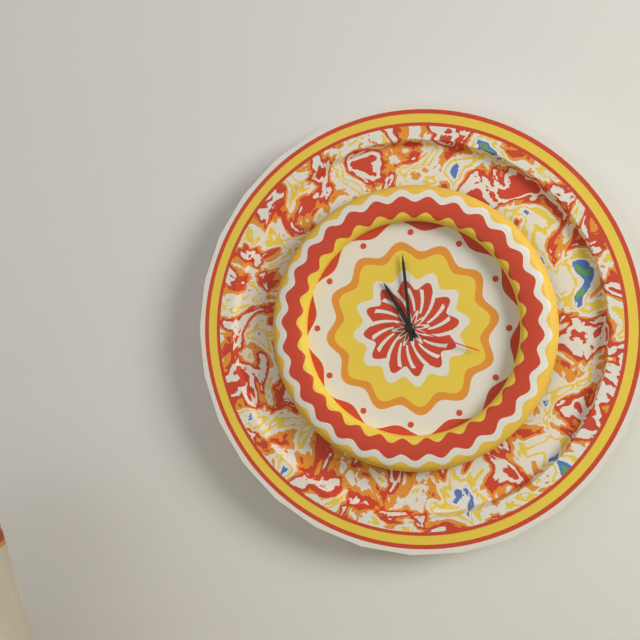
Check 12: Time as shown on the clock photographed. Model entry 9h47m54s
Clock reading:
10h59m18s
